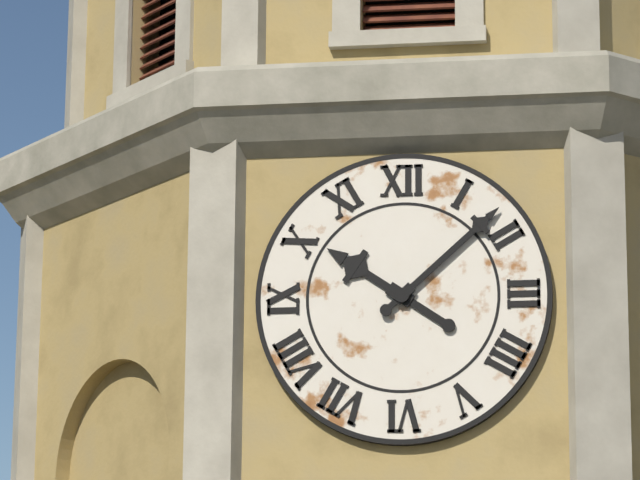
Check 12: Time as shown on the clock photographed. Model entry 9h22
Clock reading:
10h08
